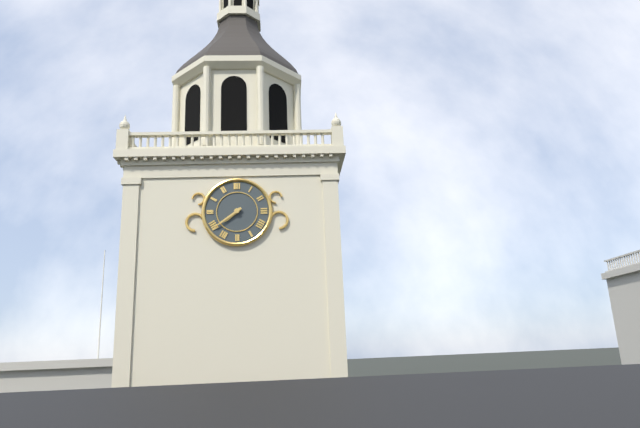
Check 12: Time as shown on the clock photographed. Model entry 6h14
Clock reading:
7h39
